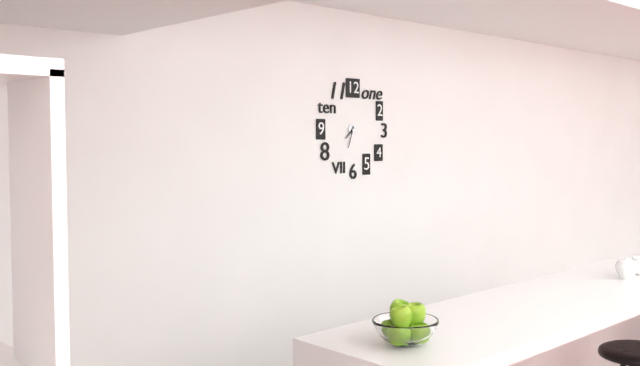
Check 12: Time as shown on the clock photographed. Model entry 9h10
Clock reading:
7h33
